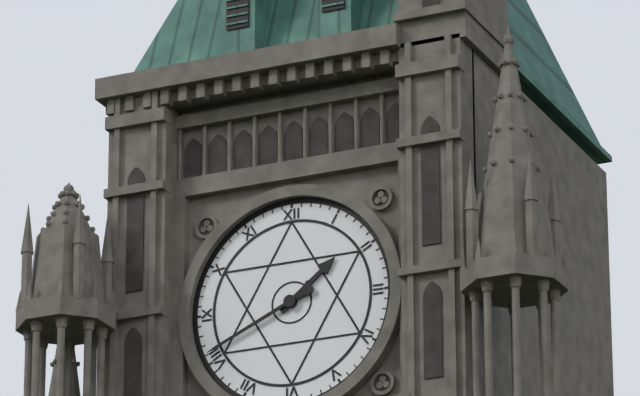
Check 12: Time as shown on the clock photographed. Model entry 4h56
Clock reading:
1h41
